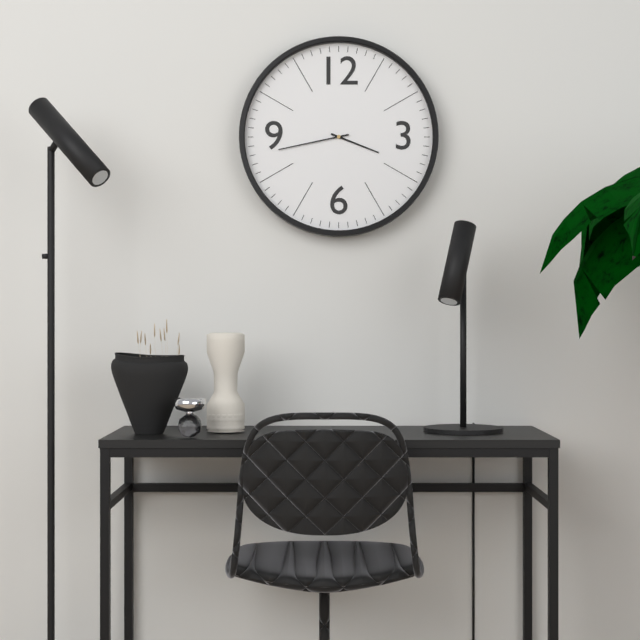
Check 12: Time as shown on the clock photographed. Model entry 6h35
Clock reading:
3h43
